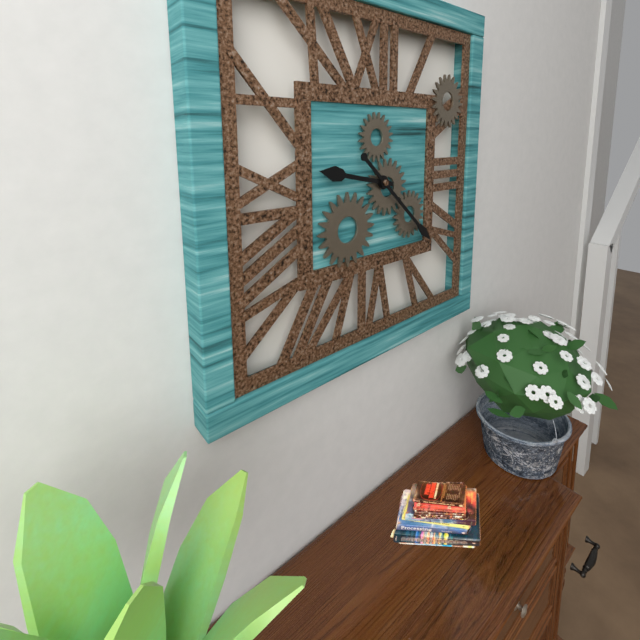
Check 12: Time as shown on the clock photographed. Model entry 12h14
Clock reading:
9h22
